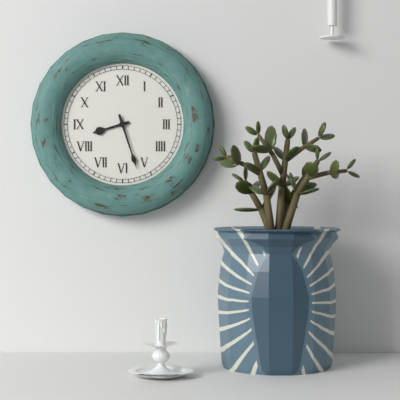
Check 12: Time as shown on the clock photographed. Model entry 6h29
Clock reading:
8h27
